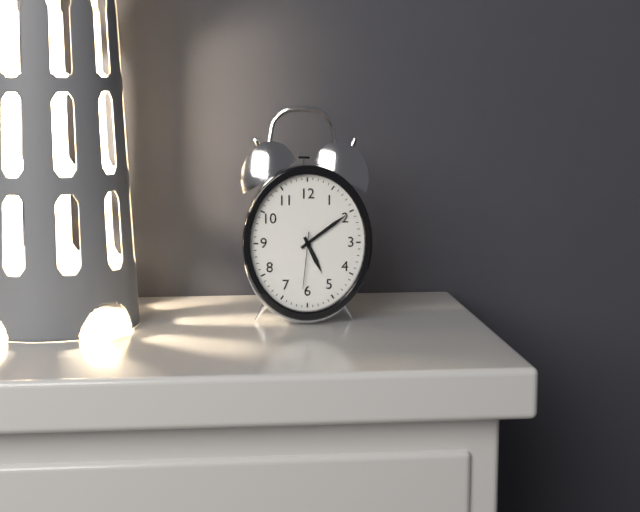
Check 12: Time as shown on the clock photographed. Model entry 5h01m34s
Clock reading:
5h09m31s
